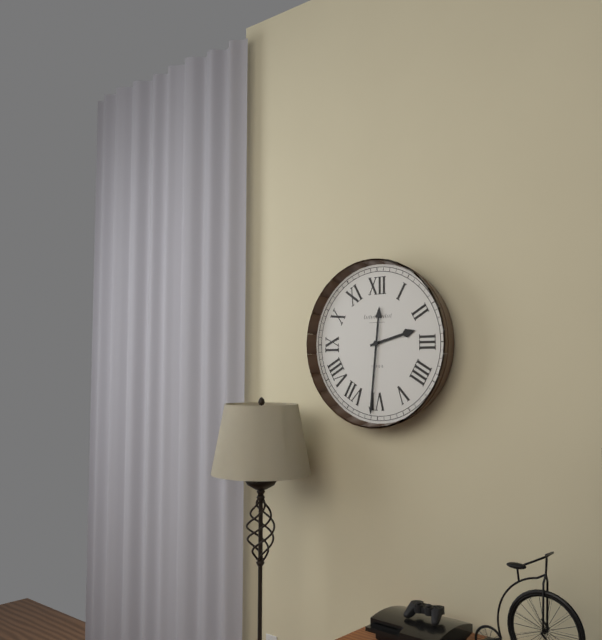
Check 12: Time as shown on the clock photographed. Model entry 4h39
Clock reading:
2h31
